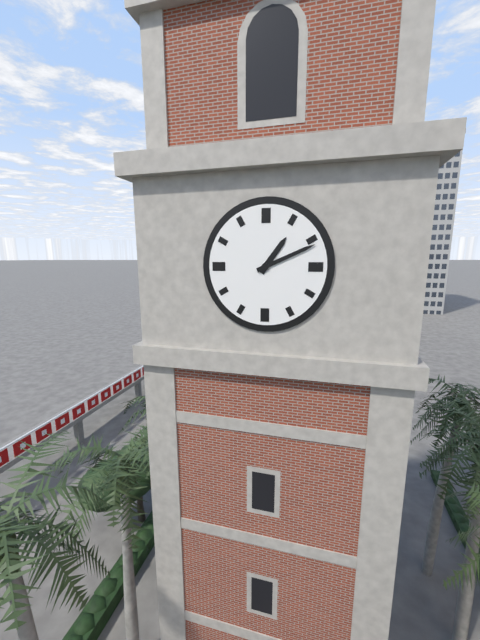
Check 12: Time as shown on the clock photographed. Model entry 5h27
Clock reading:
1h11
